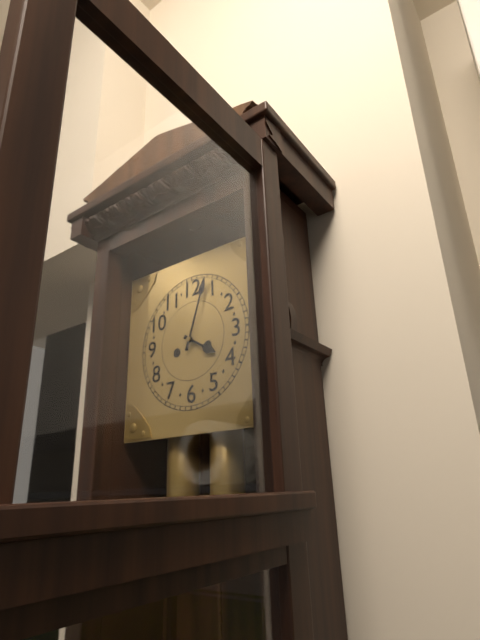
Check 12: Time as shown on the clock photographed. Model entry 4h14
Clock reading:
4h03
